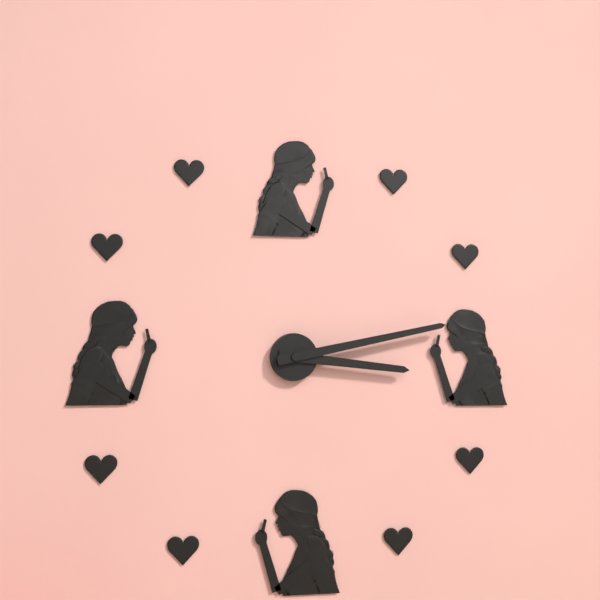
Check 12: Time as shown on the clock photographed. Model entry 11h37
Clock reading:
3h13
